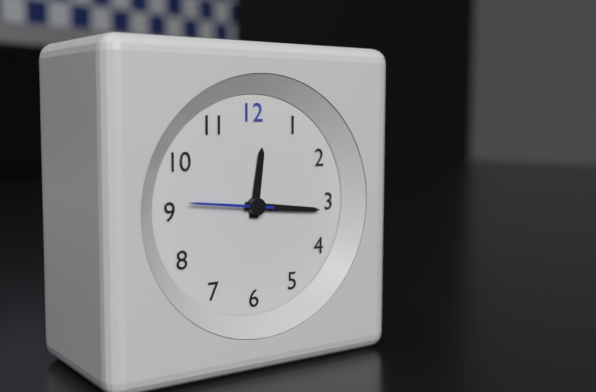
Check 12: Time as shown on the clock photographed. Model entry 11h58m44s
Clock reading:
12h16m46s
